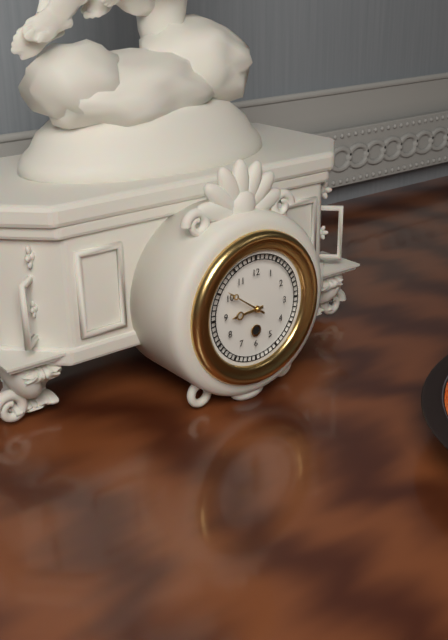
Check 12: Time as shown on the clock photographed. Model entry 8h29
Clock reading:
8h51
